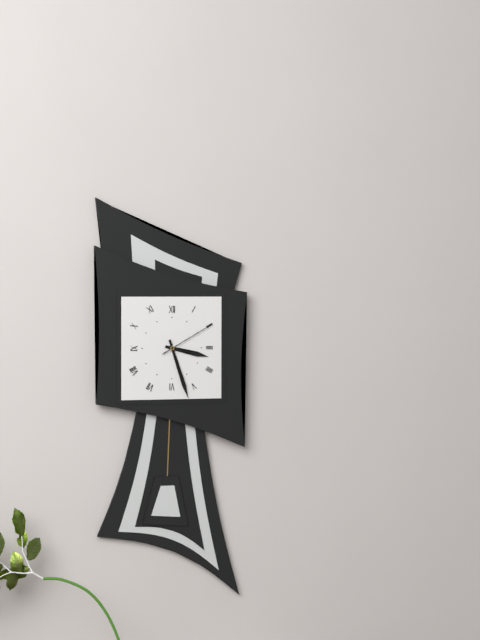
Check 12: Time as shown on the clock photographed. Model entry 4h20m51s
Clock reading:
3h27m10s
